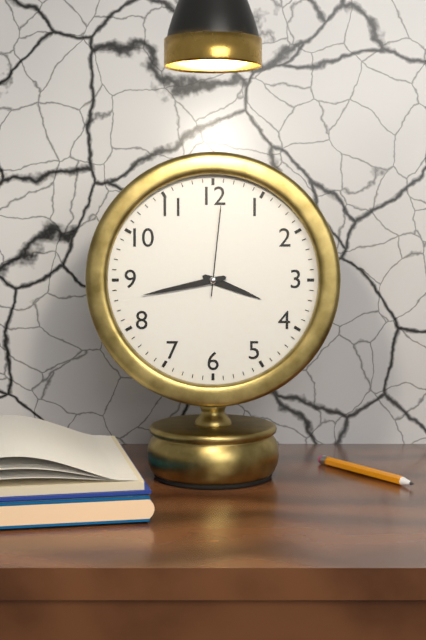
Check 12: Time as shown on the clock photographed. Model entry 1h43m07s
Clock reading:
3h43m01s
